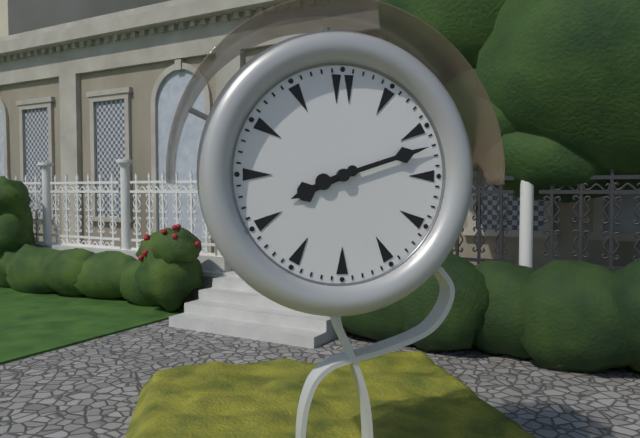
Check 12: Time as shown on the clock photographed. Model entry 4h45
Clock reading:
8h12
